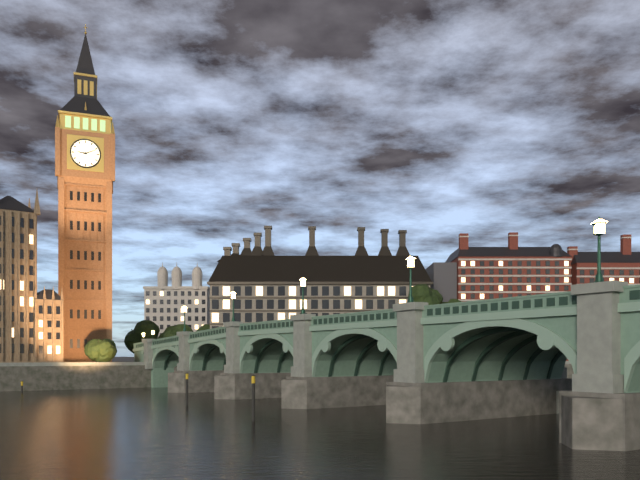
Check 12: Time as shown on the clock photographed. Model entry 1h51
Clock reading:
9h11
